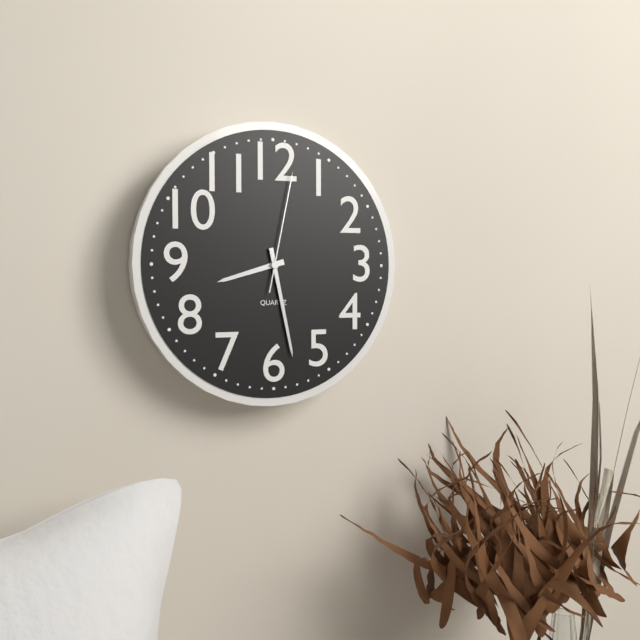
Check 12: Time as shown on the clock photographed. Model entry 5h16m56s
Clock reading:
8h28m02s
